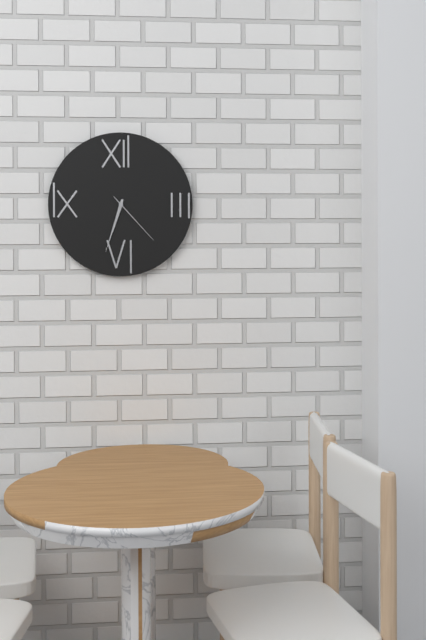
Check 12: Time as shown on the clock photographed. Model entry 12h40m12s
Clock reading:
6h33m23s
